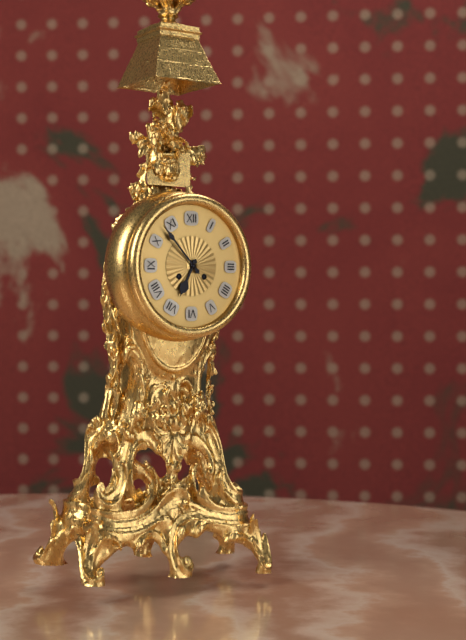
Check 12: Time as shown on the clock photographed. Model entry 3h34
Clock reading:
6h53
